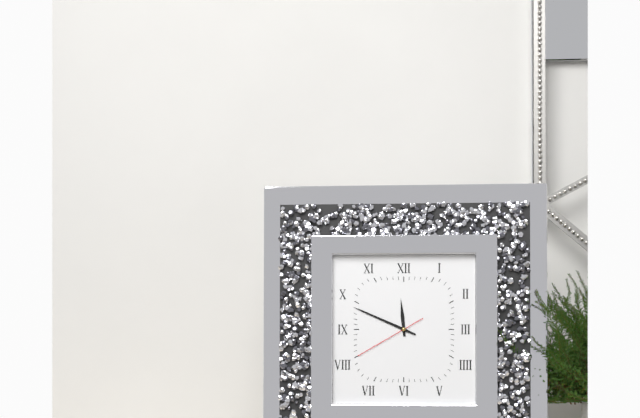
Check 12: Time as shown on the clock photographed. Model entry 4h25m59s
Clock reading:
11h49m40s
